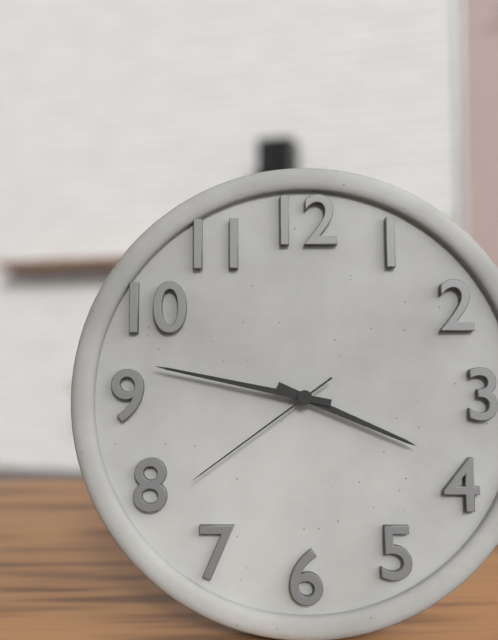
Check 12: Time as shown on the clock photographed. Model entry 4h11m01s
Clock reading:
3h47m39s
